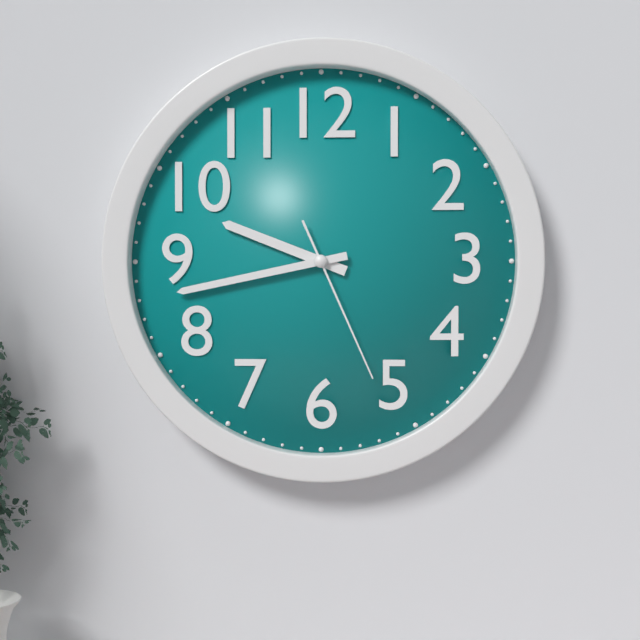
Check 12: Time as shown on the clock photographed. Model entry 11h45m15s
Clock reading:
9h43m26s
